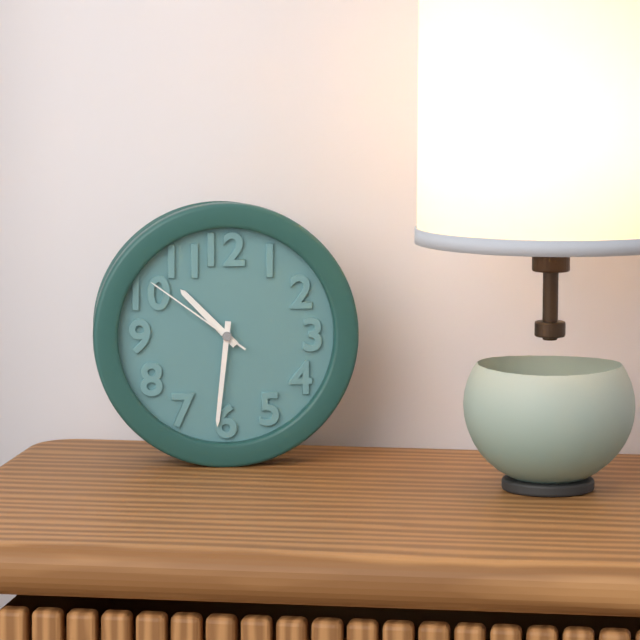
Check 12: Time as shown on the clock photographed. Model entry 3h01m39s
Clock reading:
10h31m51s
